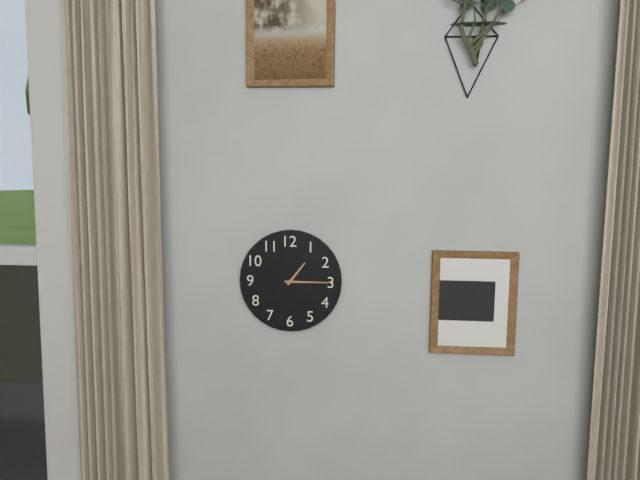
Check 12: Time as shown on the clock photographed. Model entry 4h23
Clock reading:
1h15
